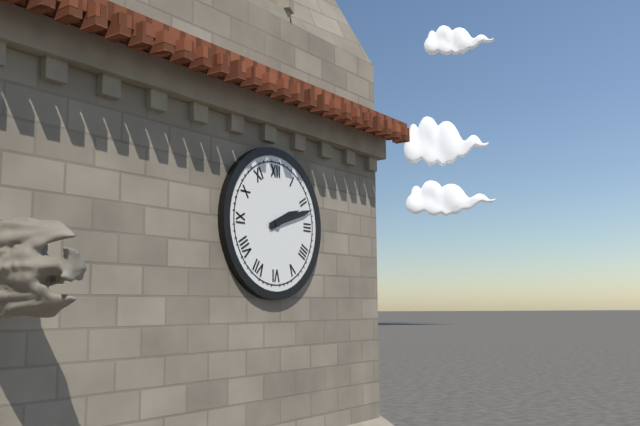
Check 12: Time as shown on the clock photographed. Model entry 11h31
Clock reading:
2h12
